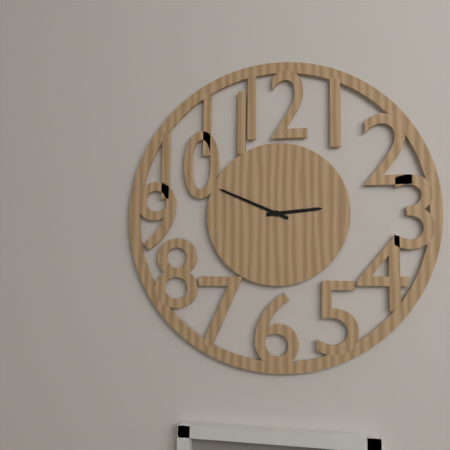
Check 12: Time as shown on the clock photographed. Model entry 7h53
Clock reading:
2h49
